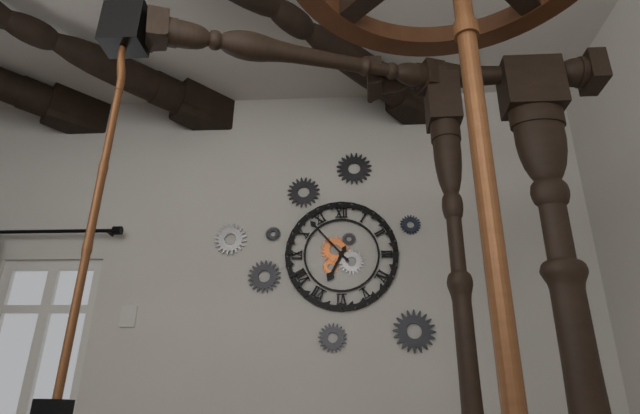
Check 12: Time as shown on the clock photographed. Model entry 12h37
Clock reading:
6h53
